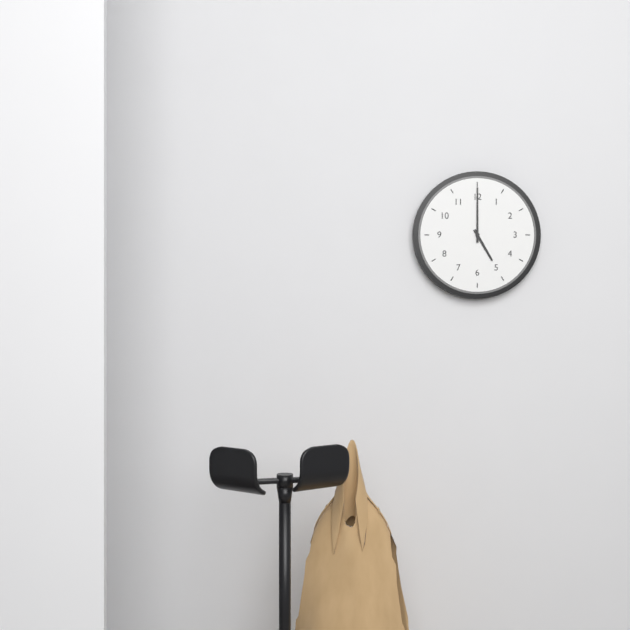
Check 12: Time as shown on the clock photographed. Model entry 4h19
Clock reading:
5h00
